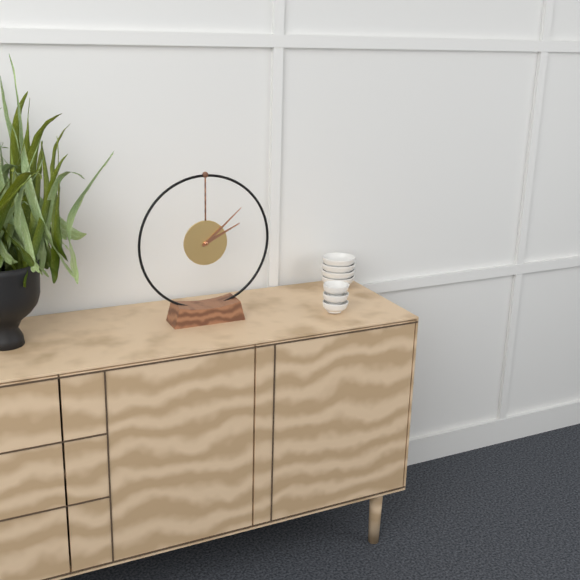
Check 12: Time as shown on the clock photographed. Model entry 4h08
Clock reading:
2h08
